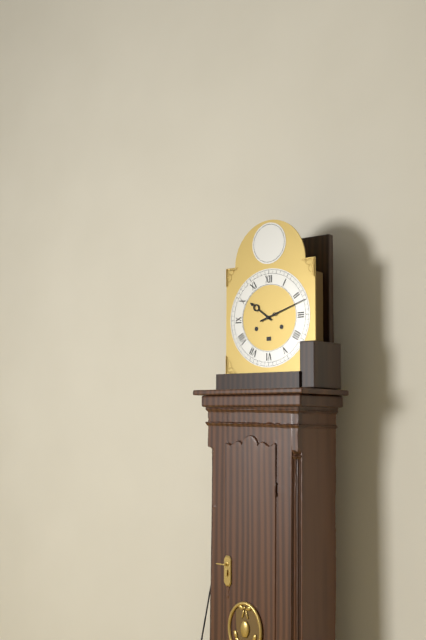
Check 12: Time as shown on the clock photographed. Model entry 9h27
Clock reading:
10h12
